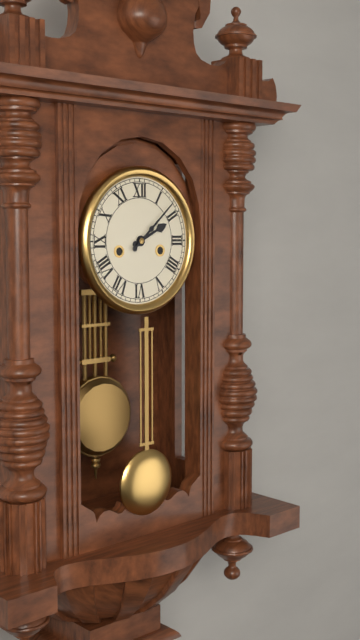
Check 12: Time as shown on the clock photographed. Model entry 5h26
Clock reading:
2h08
